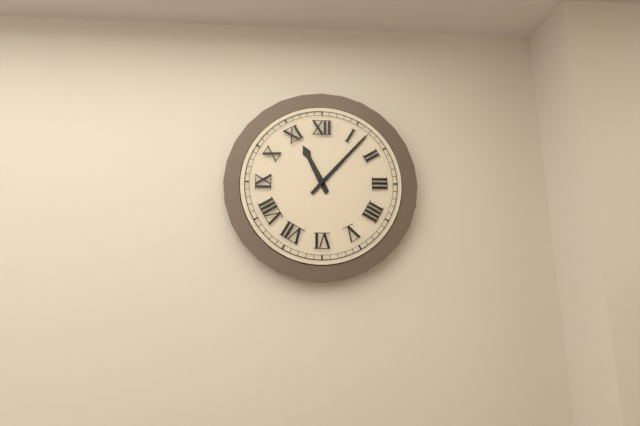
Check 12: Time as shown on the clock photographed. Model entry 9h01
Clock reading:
11h07
